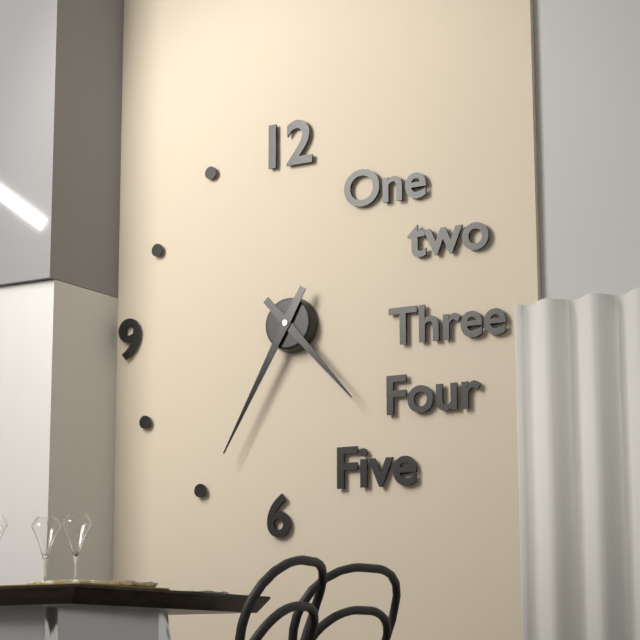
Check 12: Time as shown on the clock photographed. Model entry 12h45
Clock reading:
4h35
